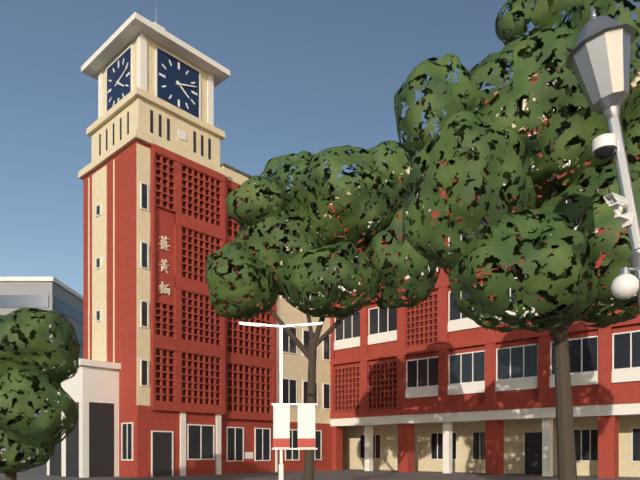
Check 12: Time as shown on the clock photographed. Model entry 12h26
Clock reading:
4h12
